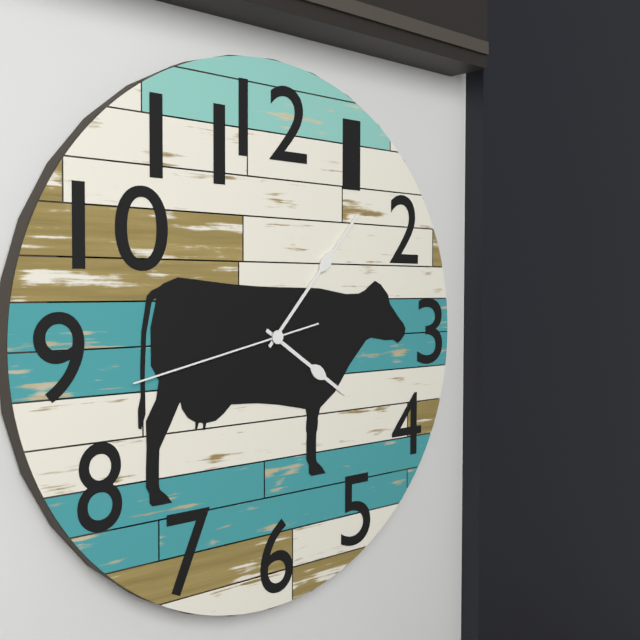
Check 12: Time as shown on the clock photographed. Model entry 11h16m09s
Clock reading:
4h07m43s
